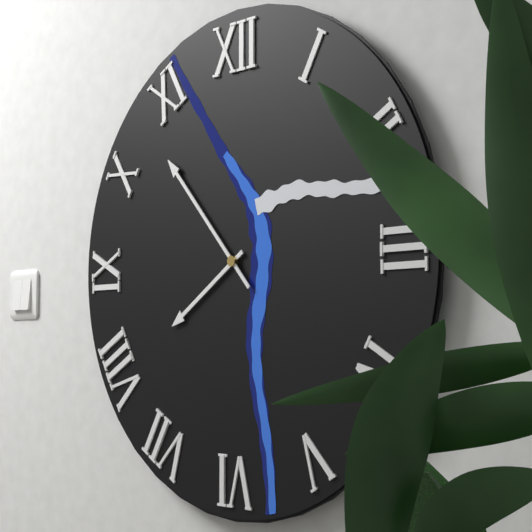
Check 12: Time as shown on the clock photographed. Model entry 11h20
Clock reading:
7h53
